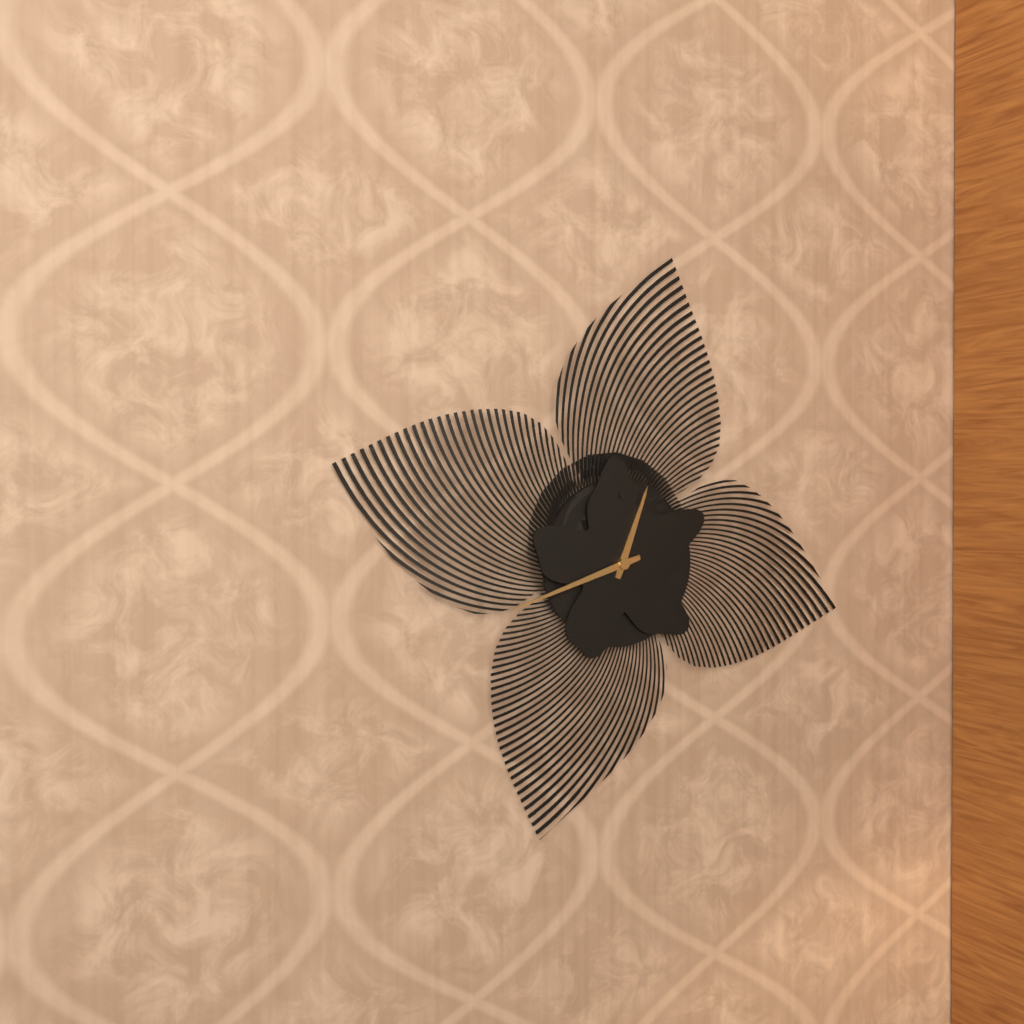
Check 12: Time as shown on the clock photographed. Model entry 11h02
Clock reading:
12h42
